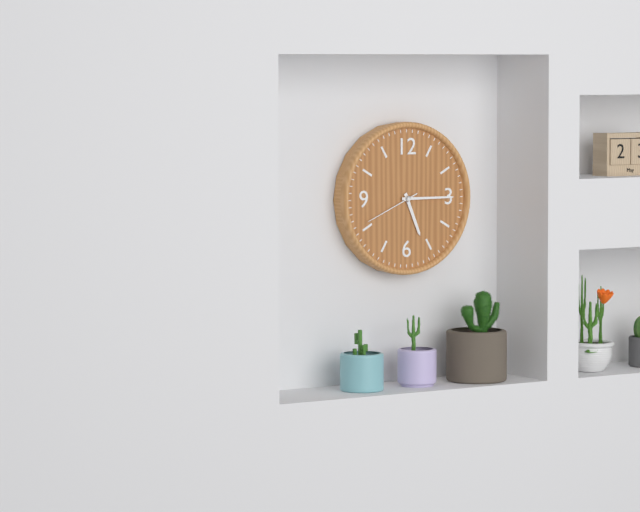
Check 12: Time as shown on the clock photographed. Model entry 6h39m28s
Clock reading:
5h15m41s
